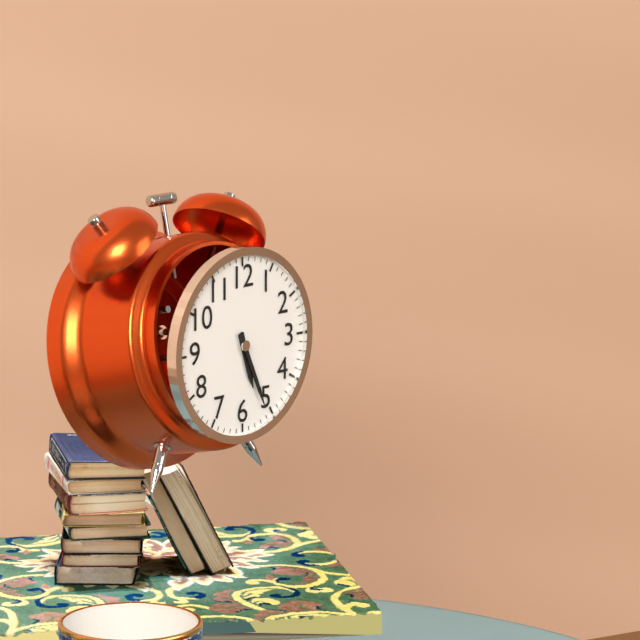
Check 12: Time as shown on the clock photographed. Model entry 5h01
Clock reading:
5h26
